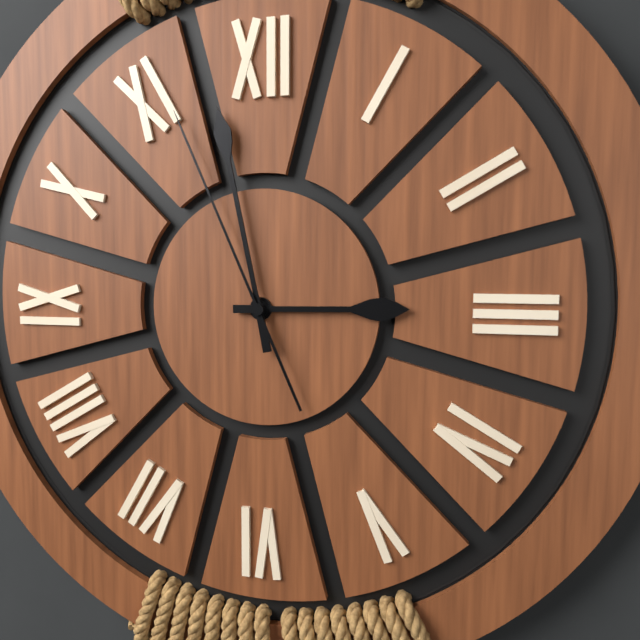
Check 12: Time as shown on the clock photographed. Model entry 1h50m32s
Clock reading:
2h58m56s
